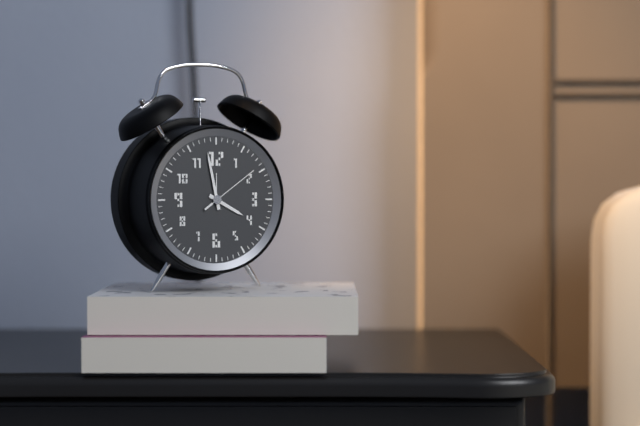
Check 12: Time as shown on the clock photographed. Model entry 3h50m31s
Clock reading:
3h58m09s
